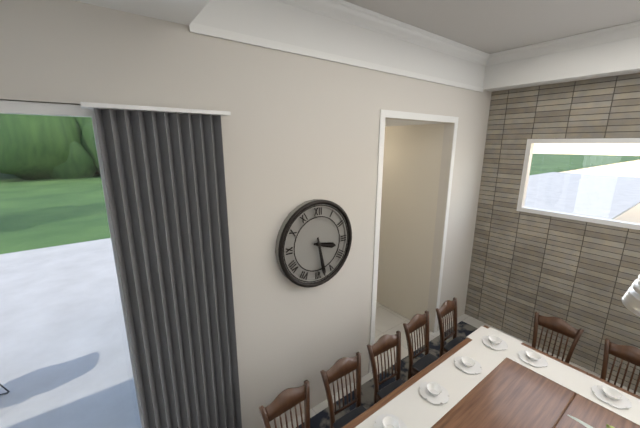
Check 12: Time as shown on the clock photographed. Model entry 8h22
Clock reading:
3h28
